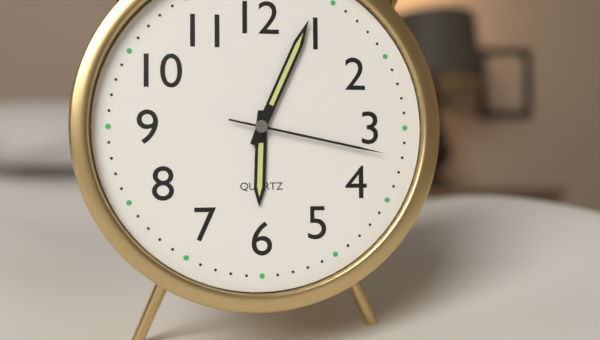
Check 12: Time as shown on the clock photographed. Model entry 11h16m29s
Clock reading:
6h04m17s
